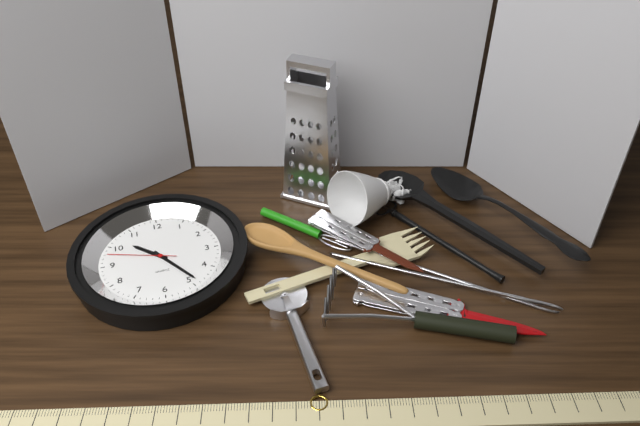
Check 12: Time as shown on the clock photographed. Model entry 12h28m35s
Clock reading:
10h24m48s
